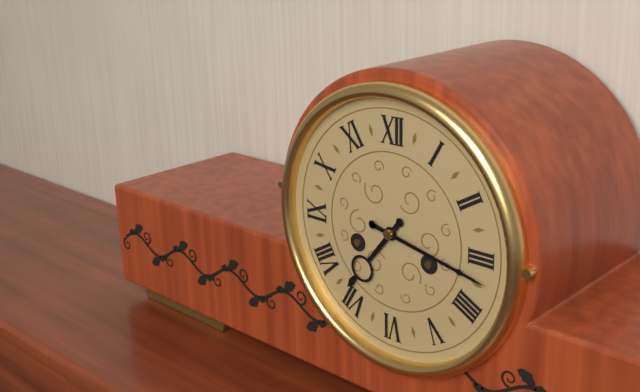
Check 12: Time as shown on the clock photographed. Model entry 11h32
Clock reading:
7h17
